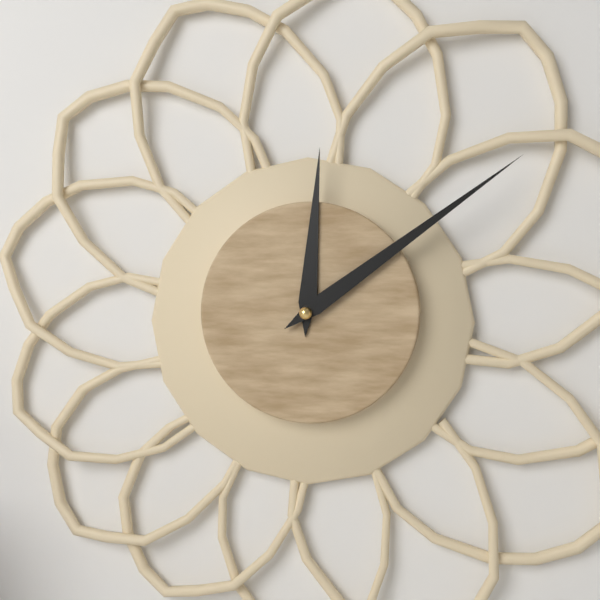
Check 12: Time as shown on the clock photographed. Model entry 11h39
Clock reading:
12h09
